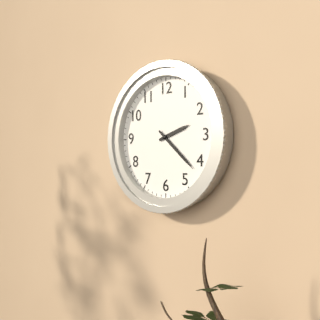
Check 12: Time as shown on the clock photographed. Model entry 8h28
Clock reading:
2h22
